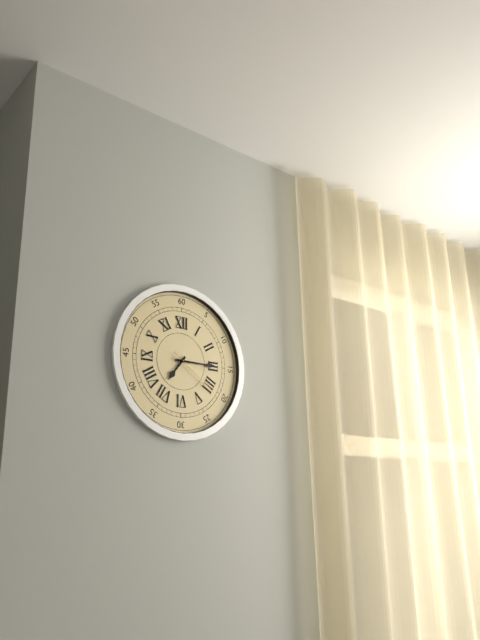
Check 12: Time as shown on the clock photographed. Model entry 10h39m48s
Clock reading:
7h15m21s
